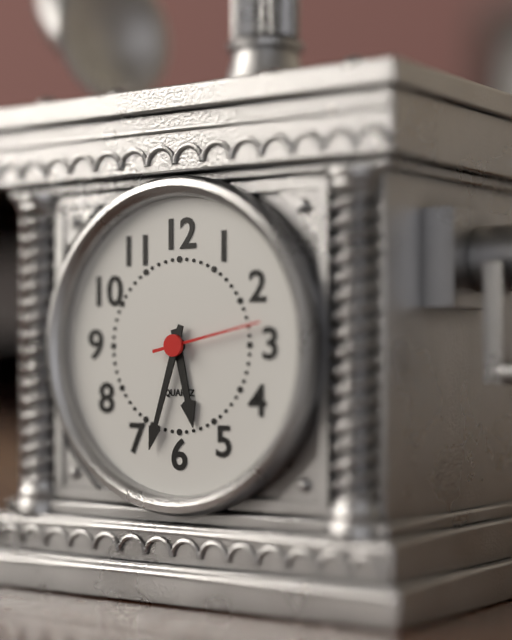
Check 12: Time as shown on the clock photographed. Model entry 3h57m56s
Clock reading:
5h33m13s
